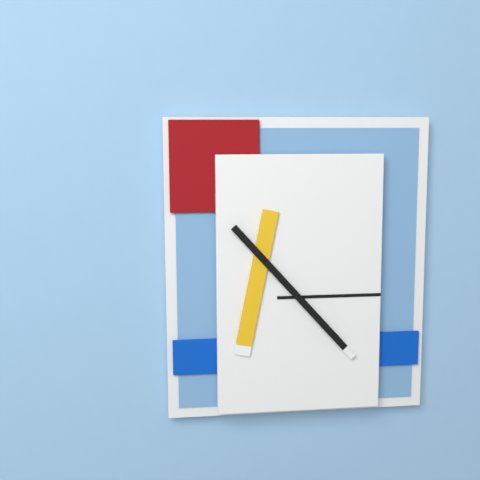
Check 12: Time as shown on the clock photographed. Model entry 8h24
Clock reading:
6h23
